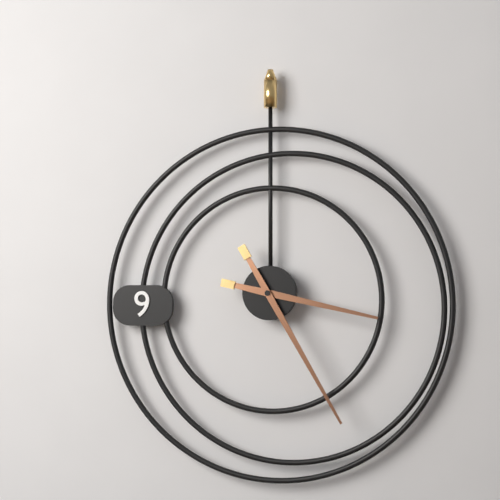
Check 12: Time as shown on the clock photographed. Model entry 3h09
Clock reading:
3h25
